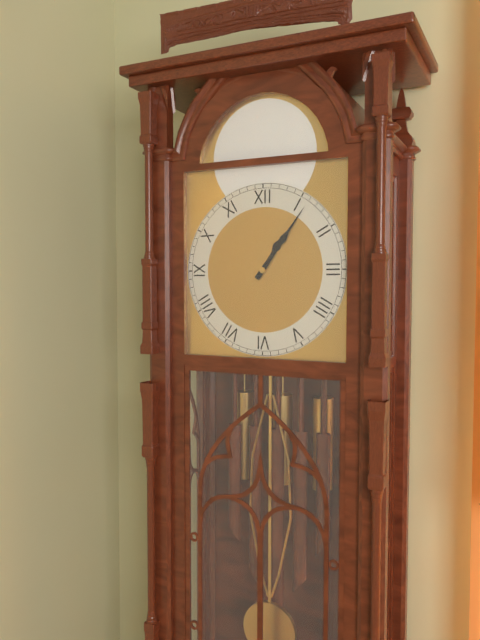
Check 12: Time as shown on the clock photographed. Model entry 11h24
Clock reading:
1h06
